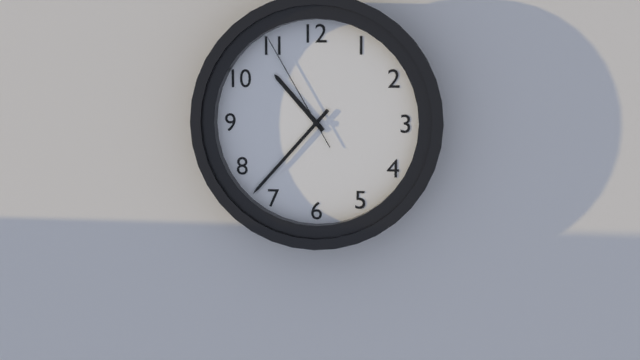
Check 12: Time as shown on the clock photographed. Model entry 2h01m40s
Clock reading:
10h37m55s
